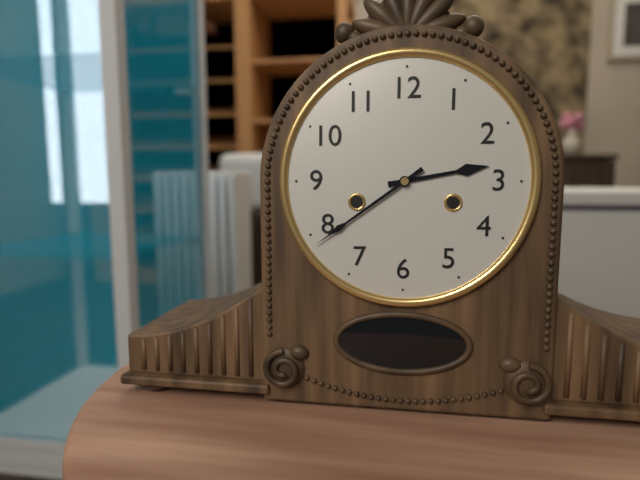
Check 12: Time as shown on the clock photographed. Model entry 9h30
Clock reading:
2h39
